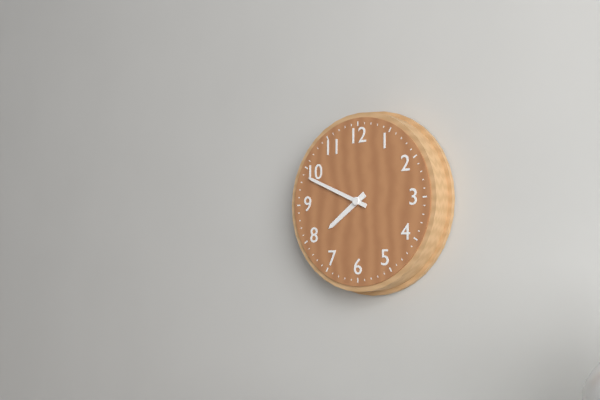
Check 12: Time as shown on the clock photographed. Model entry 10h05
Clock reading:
7h49
